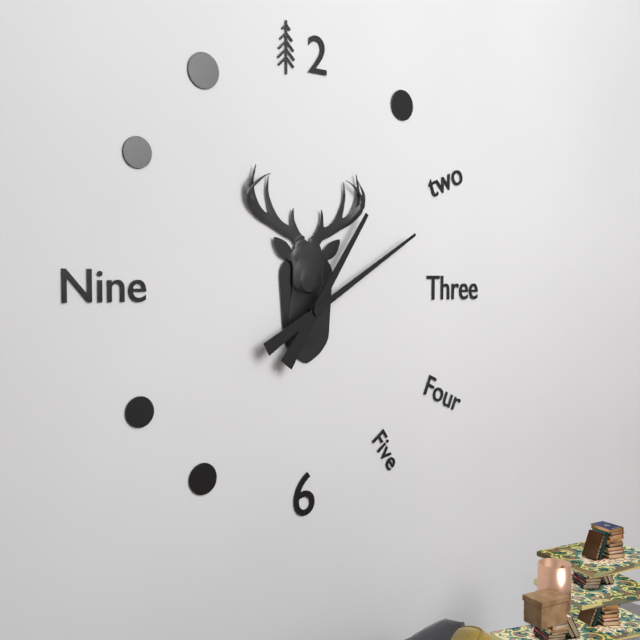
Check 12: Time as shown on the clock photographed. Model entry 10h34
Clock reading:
1h10
